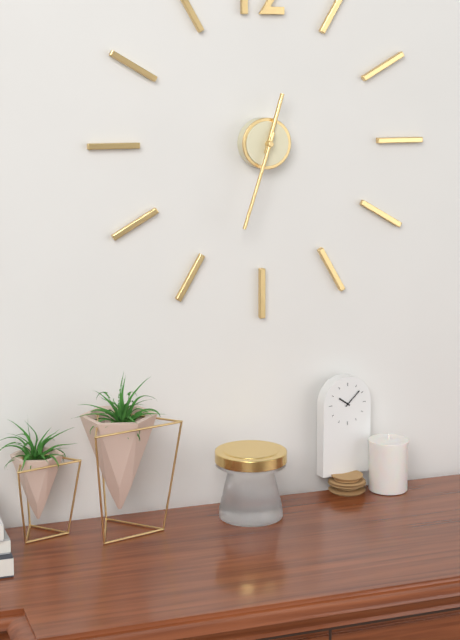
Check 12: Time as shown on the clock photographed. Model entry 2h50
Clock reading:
12h33
